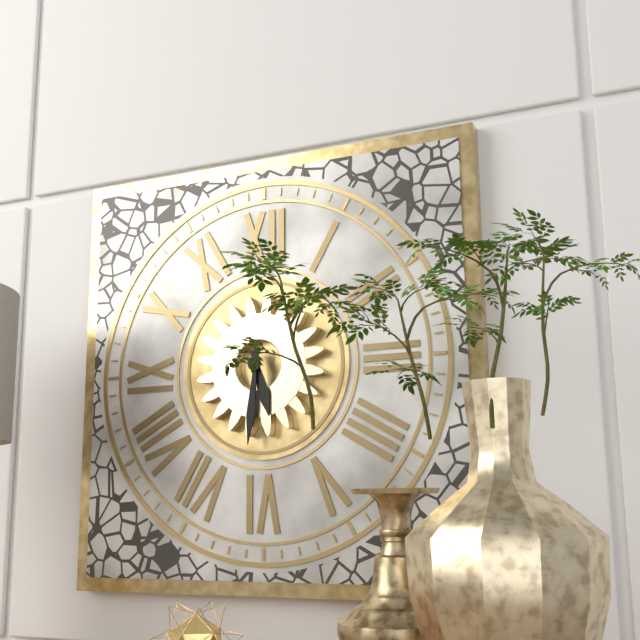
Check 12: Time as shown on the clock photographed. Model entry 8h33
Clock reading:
5h31
